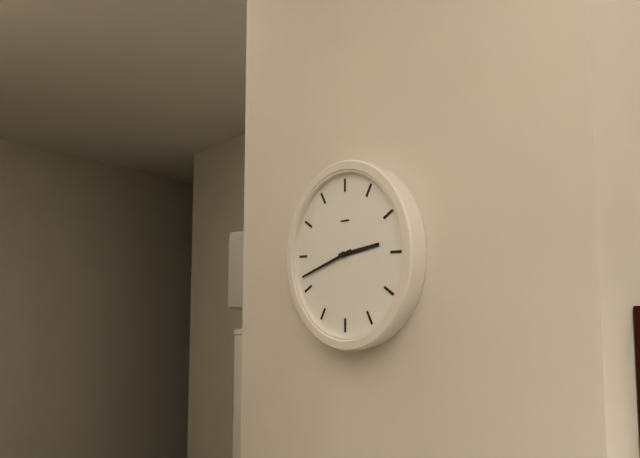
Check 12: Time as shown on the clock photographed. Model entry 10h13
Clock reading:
2h42
